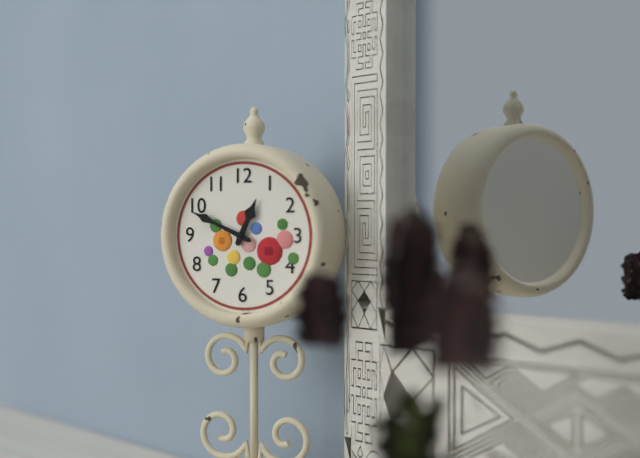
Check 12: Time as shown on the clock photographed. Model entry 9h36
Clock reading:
12h49
